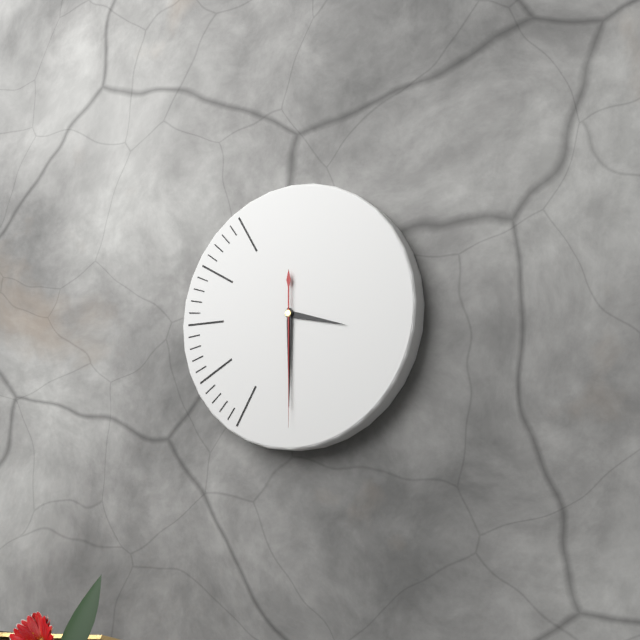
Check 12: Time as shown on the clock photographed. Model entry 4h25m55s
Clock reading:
3h30m30s
